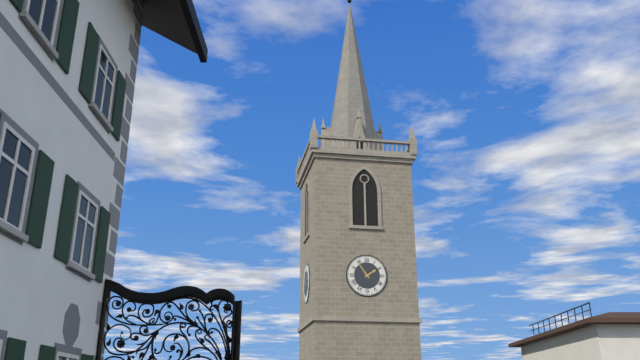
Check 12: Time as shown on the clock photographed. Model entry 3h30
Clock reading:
1h54
